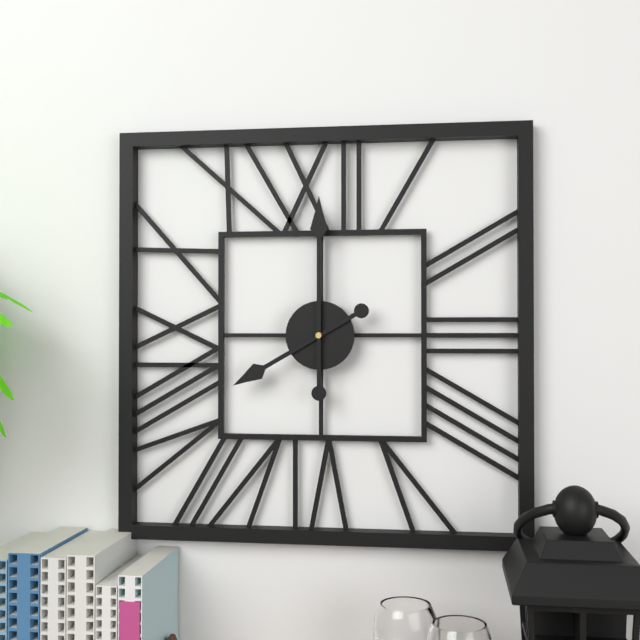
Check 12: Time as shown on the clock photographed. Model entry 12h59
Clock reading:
8h00
